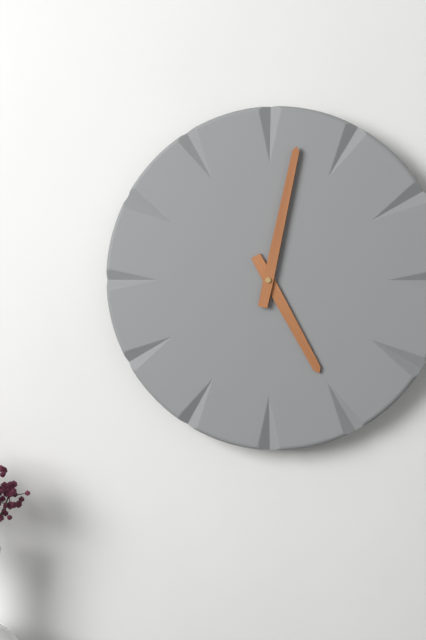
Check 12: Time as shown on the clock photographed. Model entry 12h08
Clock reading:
5h02
